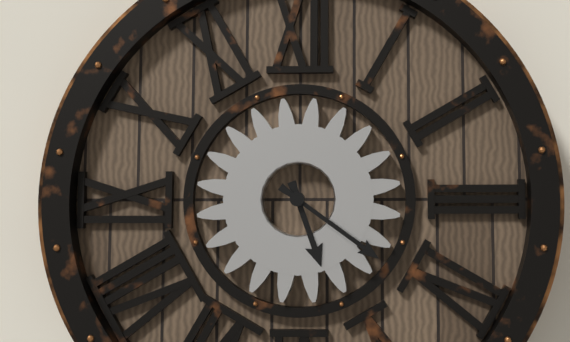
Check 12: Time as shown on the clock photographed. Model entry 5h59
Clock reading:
5h21
